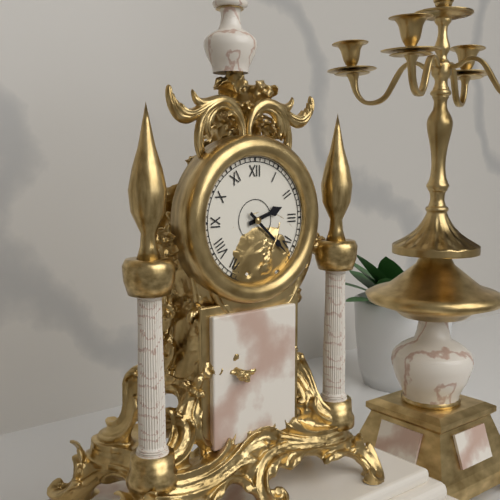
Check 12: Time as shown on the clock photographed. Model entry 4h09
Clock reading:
2h22
